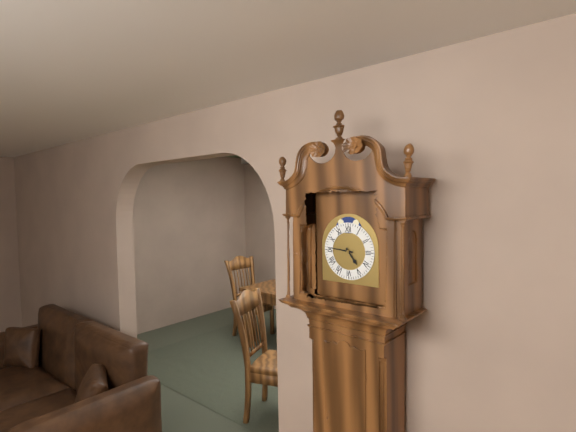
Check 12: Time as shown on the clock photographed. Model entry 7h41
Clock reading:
4h46
